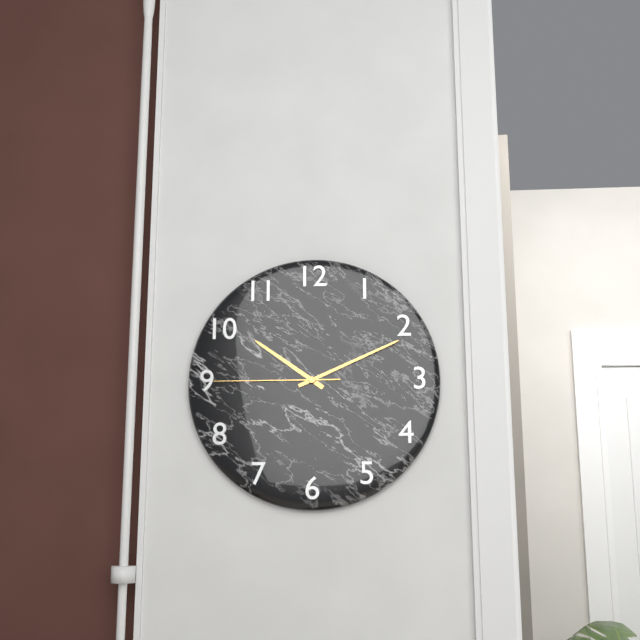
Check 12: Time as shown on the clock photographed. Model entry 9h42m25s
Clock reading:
10h11m45s
